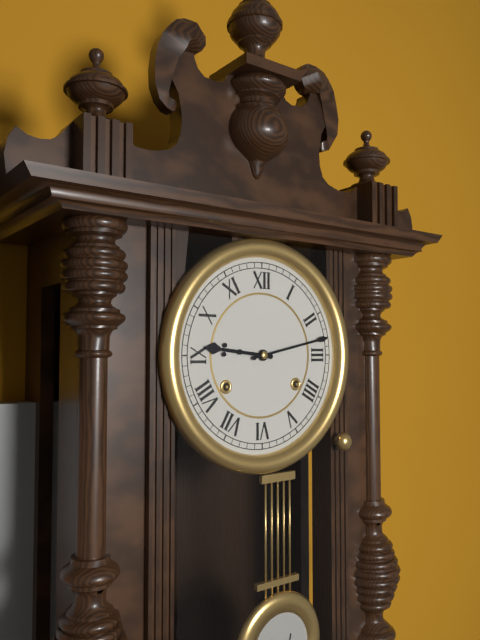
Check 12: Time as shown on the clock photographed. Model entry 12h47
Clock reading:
9h13
